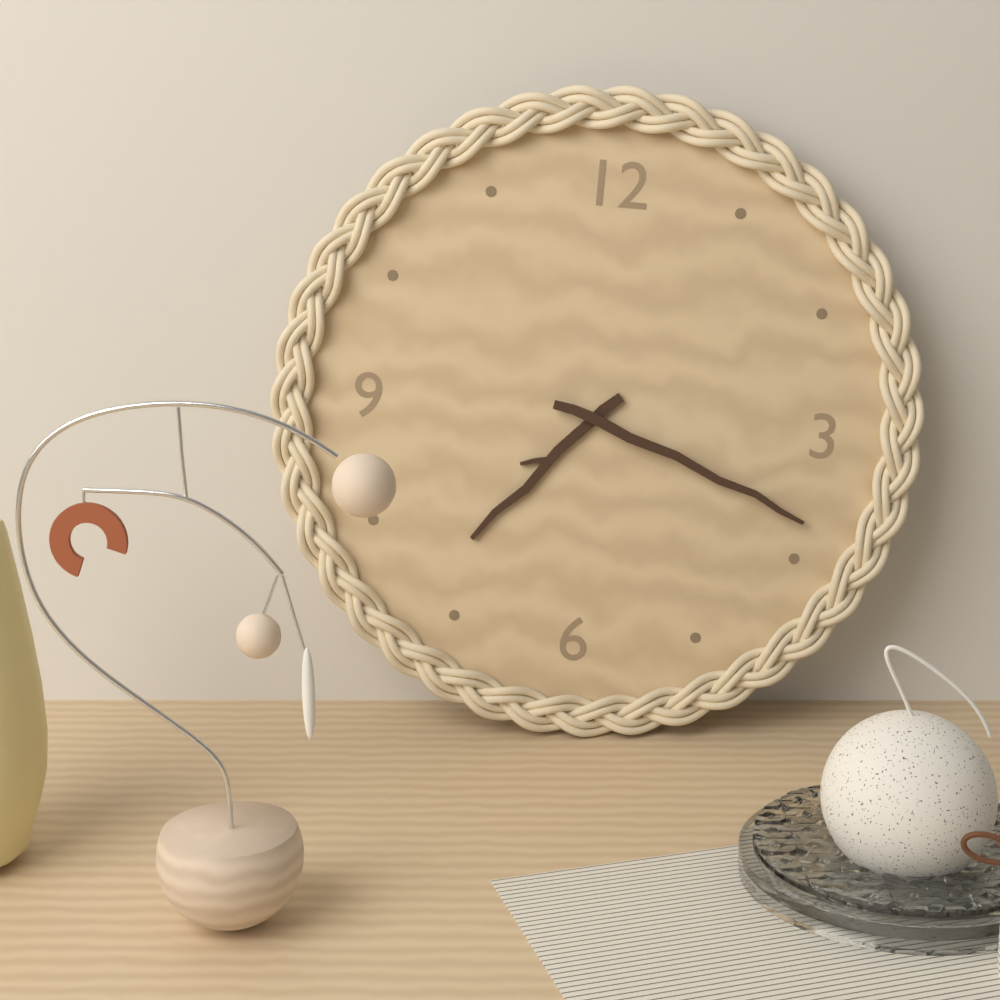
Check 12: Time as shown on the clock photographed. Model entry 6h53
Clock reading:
7h18
